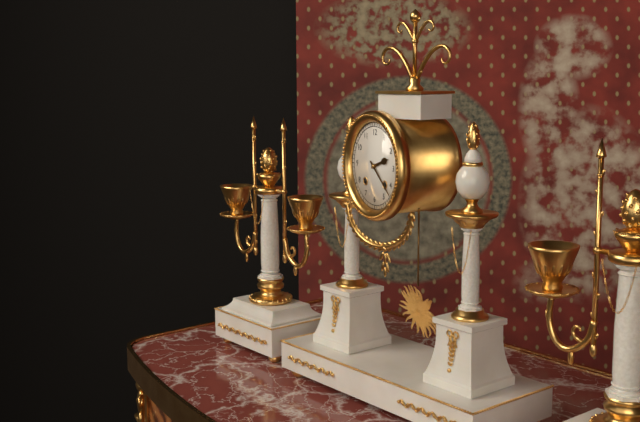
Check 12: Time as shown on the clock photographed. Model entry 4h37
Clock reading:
2h22
